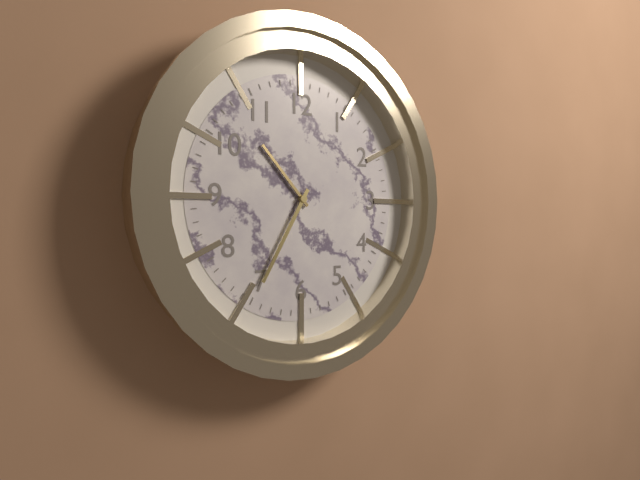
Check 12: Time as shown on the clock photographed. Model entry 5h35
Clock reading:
10h35
